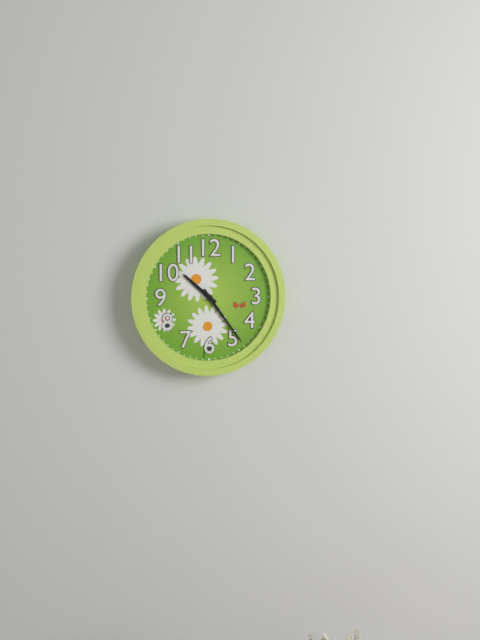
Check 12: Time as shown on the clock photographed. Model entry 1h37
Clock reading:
10h24
